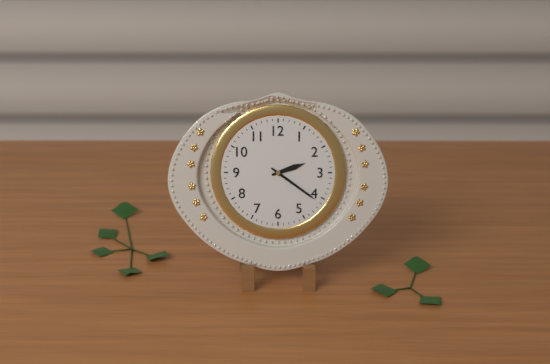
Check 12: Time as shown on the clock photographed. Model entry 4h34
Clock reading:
2h21
